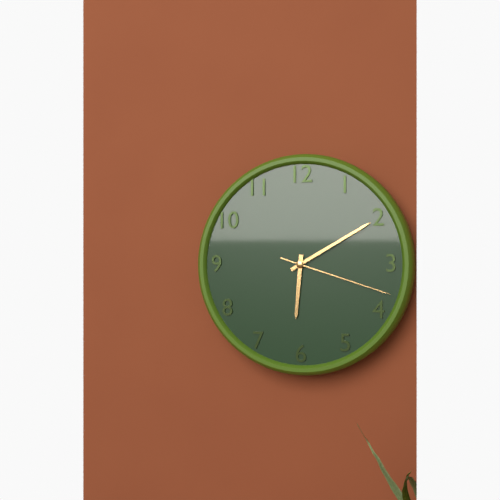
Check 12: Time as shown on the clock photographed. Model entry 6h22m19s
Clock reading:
6h10m18s
